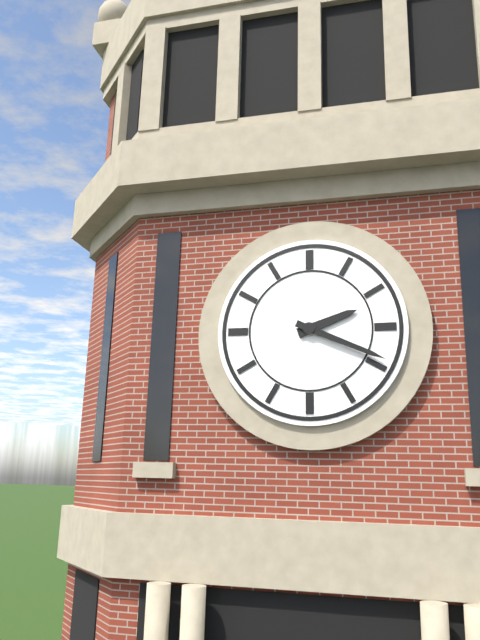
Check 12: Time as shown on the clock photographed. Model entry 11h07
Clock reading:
2h19
